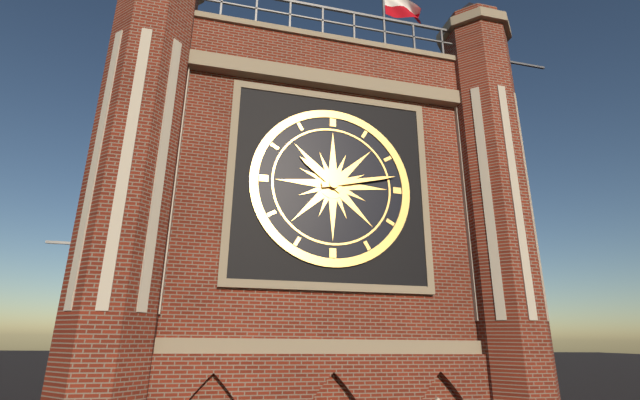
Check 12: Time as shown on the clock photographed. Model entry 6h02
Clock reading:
10h13
